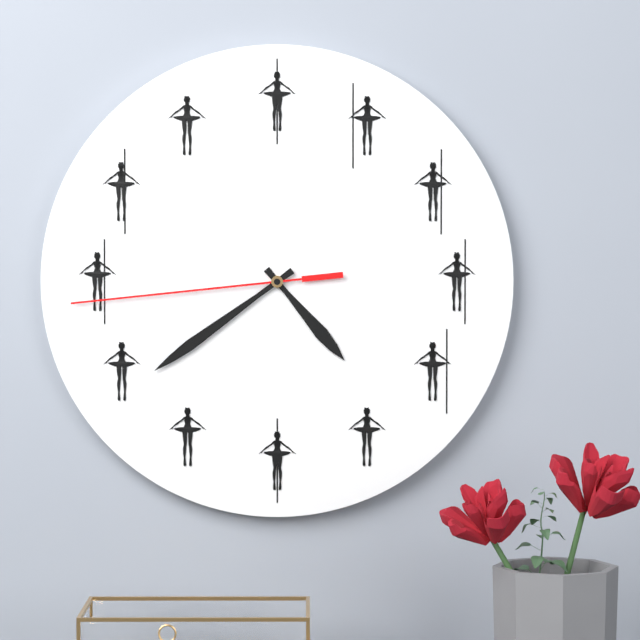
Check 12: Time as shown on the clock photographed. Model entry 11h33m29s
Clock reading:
4h39m44s
